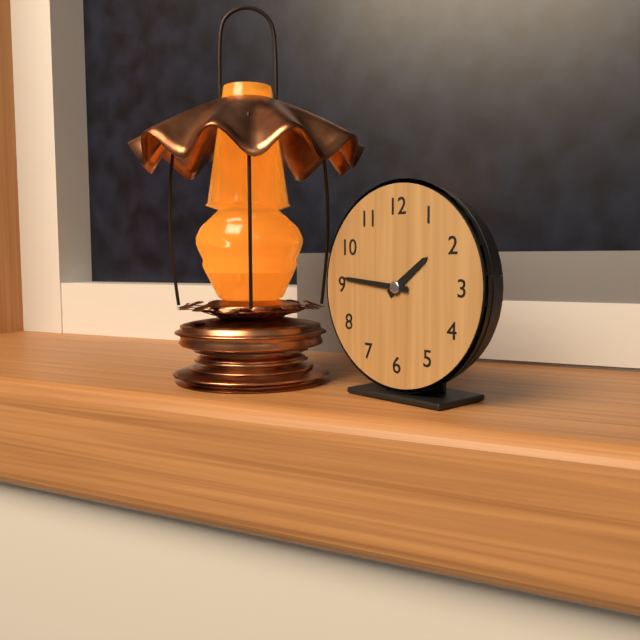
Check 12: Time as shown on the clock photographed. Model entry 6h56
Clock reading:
1h46
